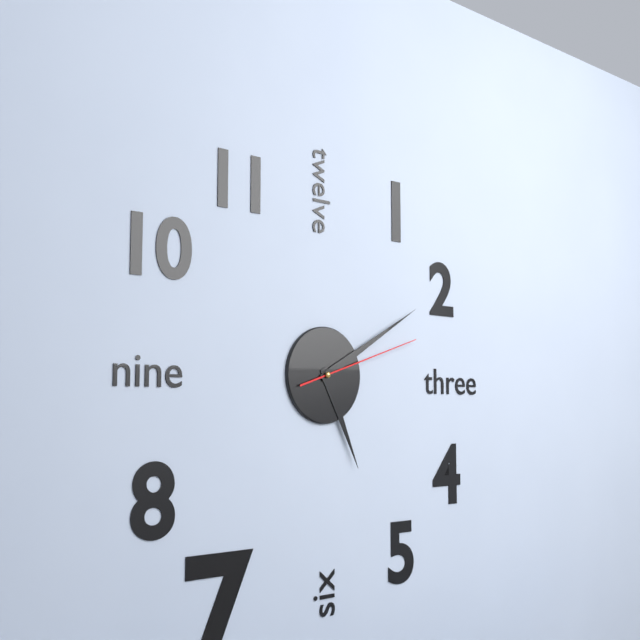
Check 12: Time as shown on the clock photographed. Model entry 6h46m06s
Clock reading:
5h10m12s
